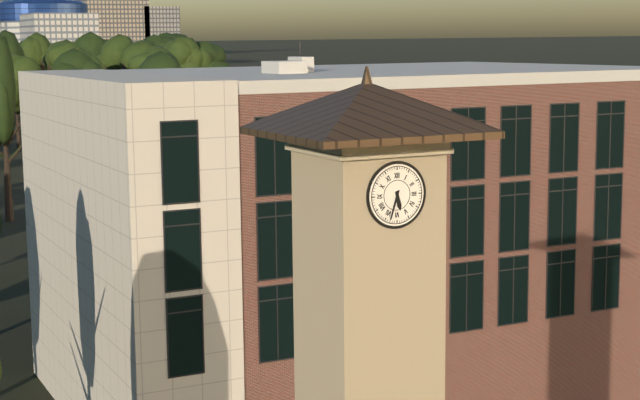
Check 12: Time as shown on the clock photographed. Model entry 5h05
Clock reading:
5h33
